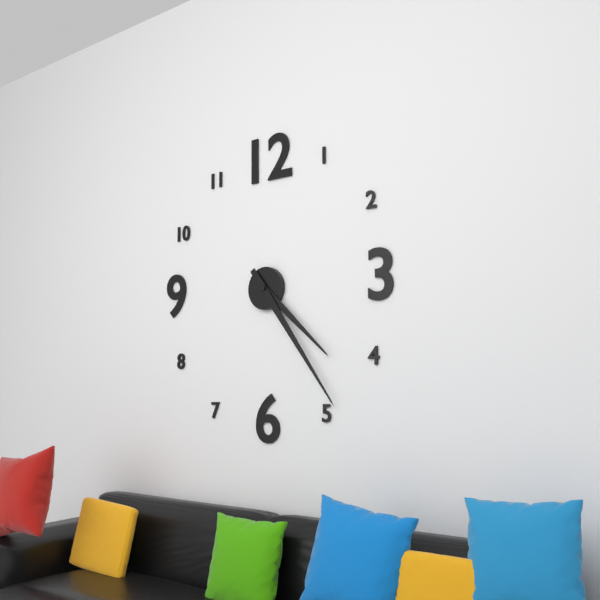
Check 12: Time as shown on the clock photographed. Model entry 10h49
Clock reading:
4h24
